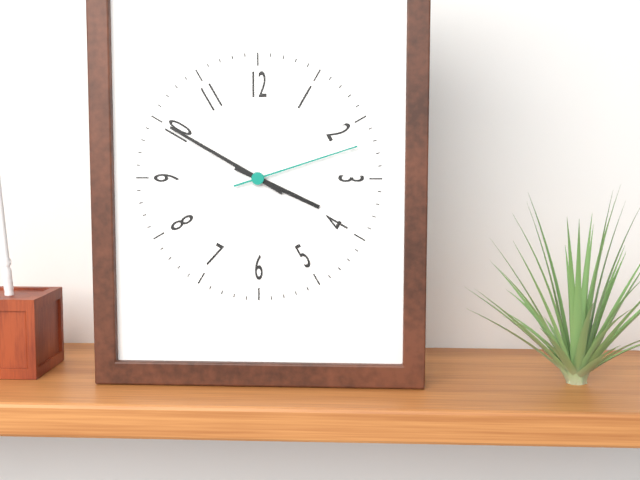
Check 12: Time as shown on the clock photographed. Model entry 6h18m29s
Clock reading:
3h50m12s
